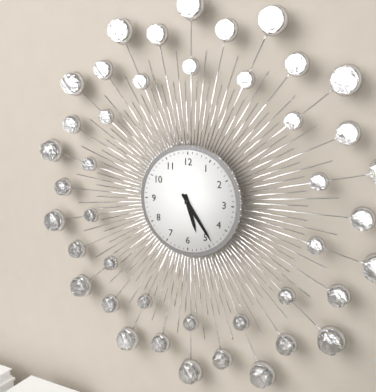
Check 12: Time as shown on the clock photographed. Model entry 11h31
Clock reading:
5h24
